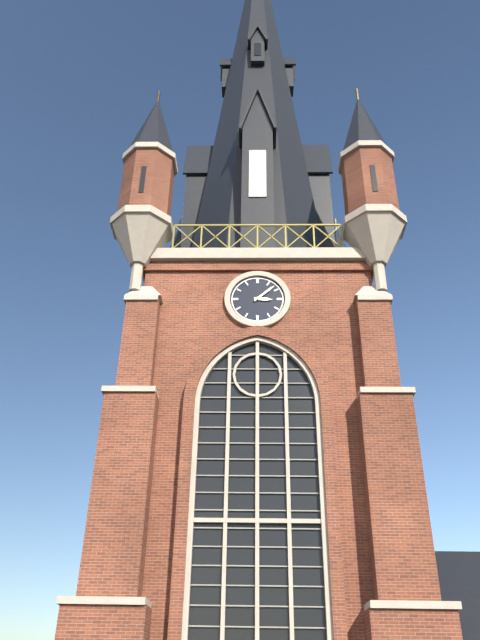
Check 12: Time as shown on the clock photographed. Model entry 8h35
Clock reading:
3h08
